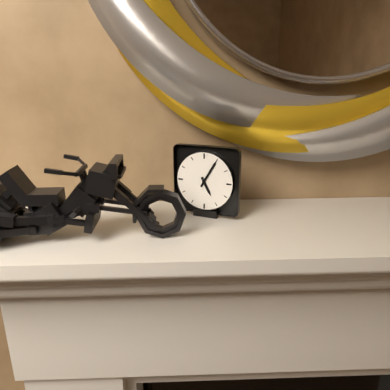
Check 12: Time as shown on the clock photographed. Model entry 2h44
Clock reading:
5h05
